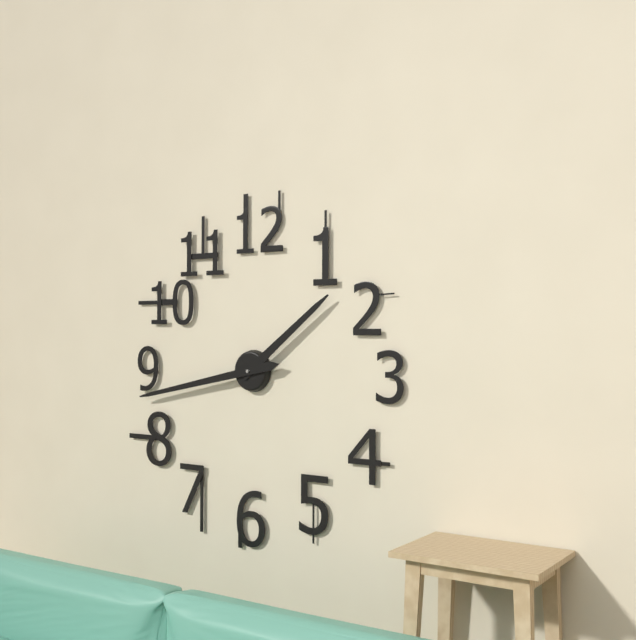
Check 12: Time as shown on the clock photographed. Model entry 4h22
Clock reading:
1h43
